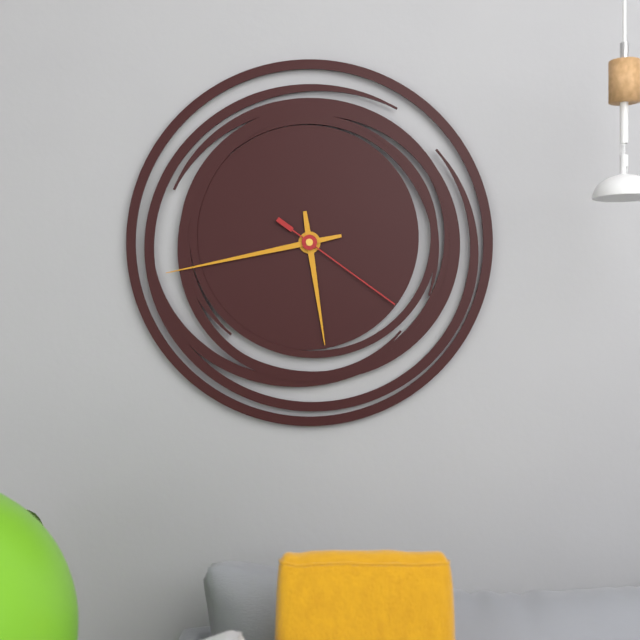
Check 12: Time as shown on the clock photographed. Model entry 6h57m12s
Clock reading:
5h43m21s
